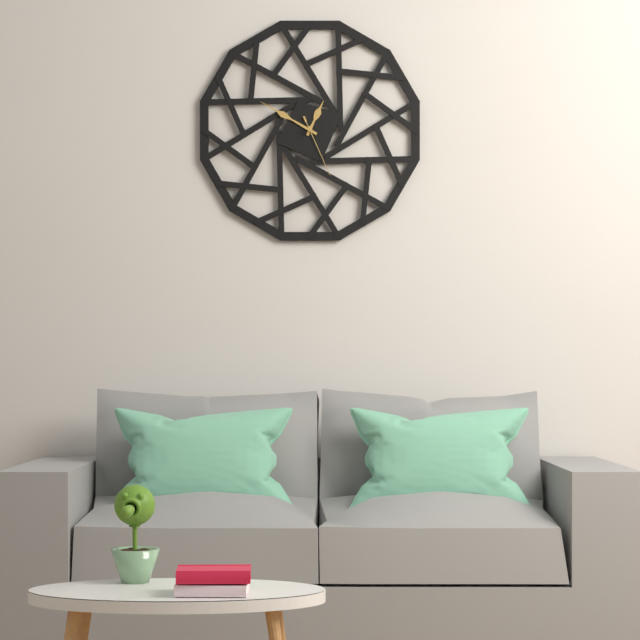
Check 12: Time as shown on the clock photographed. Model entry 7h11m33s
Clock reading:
12h50m26s
